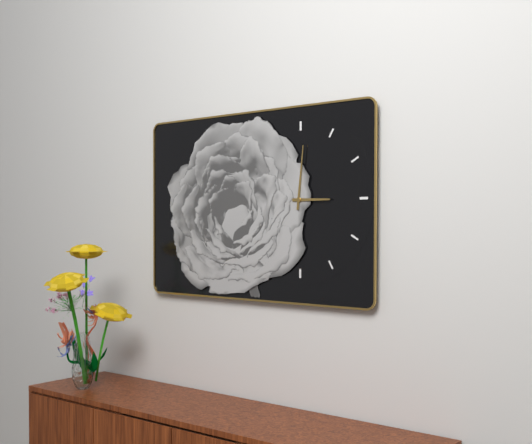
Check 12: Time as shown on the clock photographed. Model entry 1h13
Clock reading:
3h01
